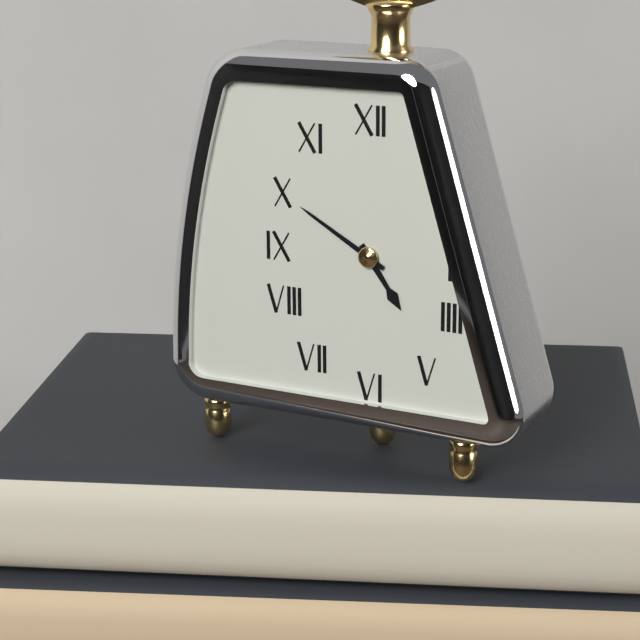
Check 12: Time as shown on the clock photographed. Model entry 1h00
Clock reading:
4h50
